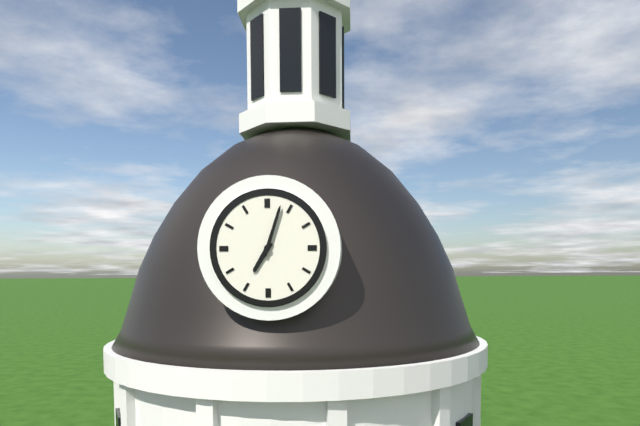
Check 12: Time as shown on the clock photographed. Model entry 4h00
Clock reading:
7h03
